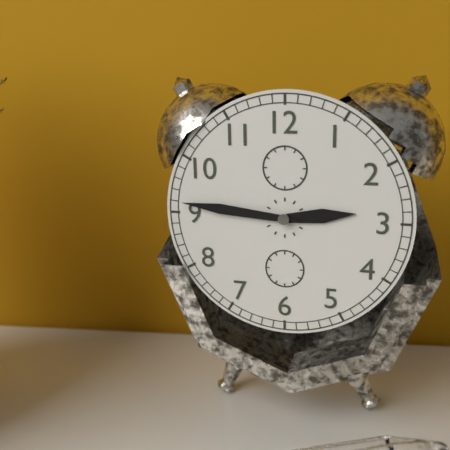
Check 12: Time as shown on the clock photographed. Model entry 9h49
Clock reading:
2h46
